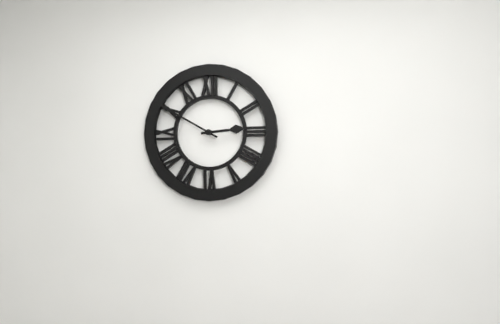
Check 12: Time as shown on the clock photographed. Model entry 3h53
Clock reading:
2h50
